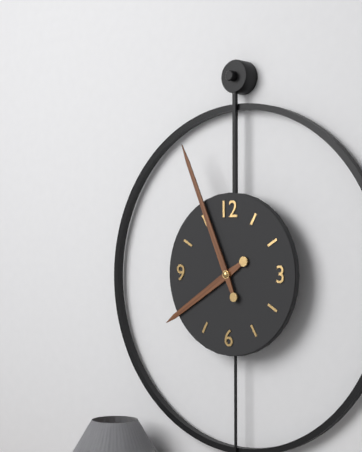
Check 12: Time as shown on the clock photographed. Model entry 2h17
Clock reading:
7h56
